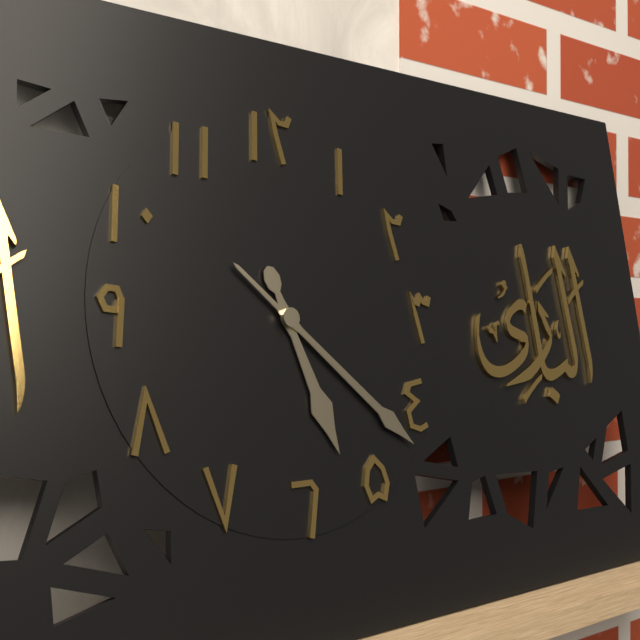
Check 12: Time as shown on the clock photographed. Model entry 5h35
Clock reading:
5h22
